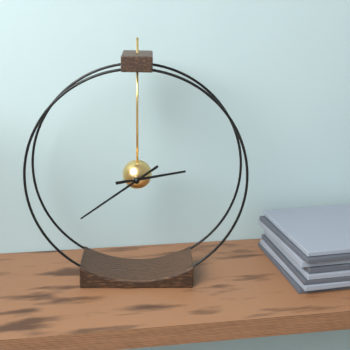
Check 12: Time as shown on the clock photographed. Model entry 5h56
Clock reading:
2h39
